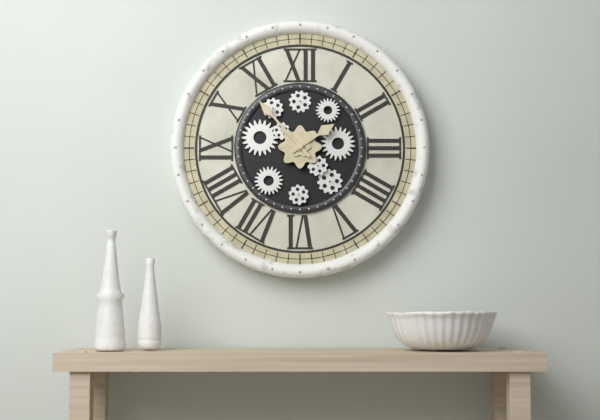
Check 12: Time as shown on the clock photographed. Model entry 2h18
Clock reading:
1h53
